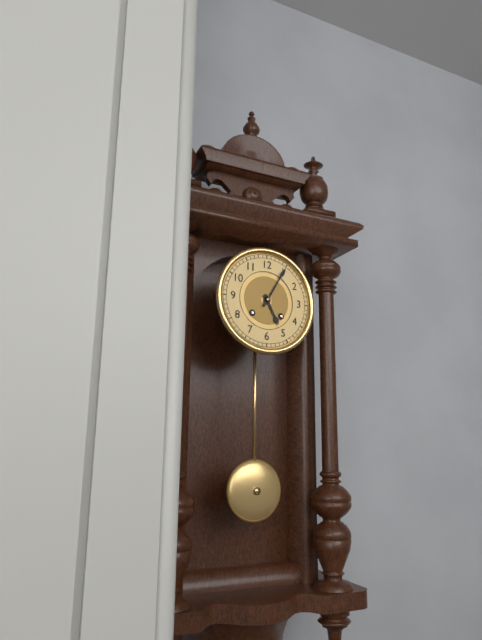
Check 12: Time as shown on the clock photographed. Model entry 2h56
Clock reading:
5h05
